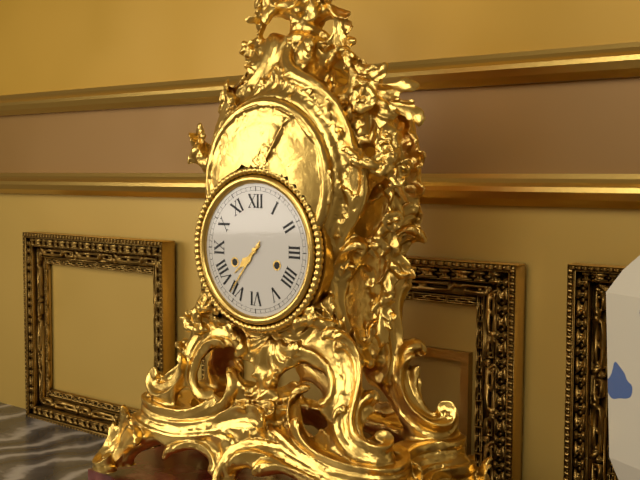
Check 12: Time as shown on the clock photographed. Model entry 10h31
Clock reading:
7h36
